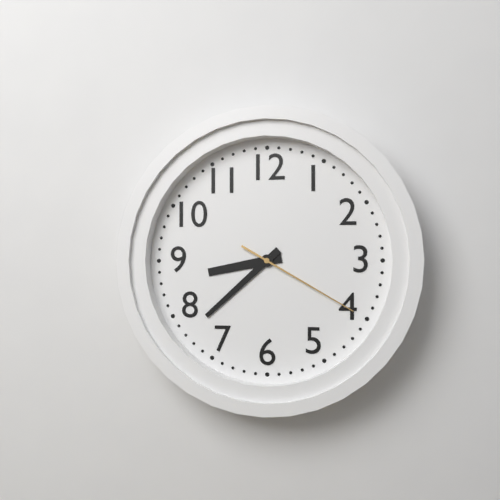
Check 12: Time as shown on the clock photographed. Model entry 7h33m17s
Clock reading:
8h38m20s
